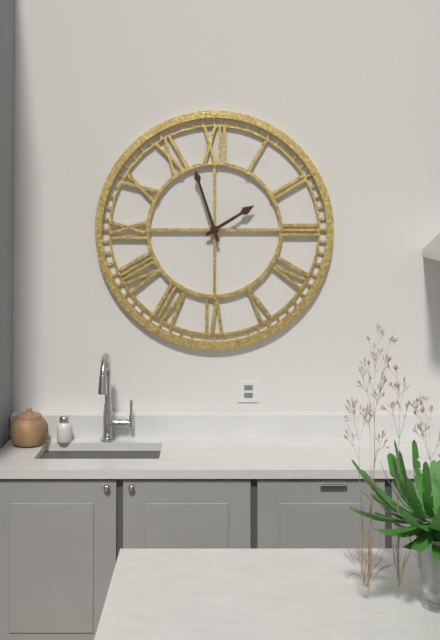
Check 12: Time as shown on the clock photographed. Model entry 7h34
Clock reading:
1h57
